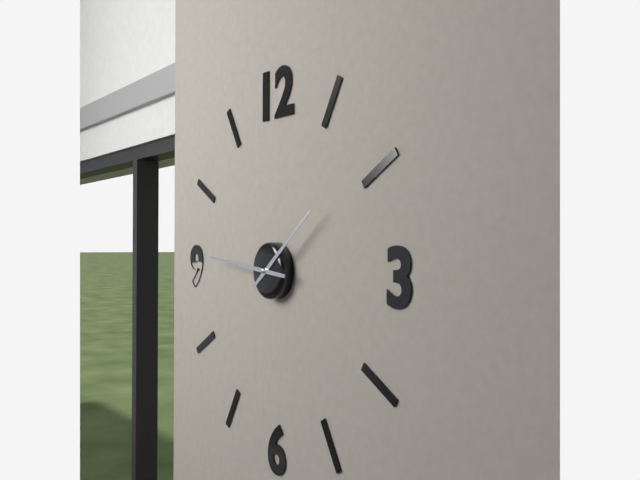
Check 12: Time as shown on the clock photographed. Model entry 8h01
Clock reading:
1h46
